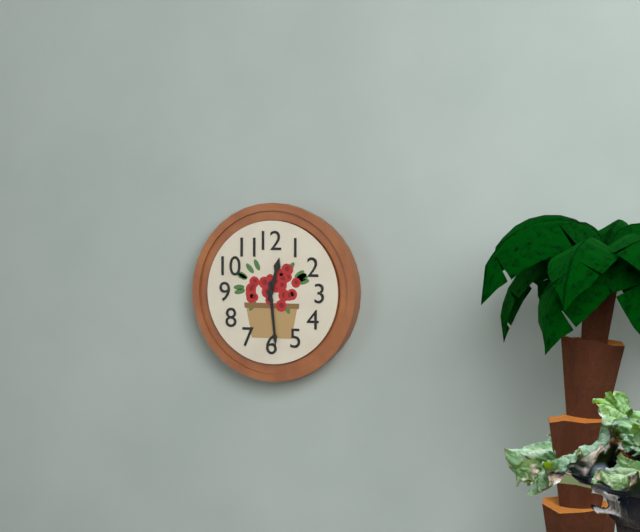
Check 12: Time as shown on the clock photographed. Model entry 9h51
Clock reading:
12h29
